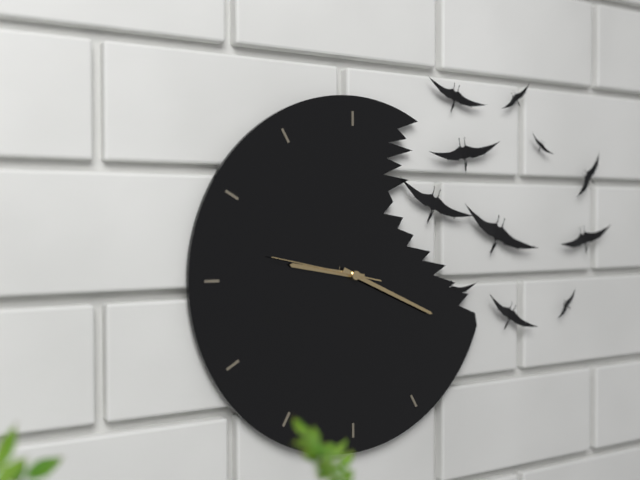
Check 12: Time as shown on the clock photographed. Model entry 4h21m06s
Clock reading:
9h19m47s
